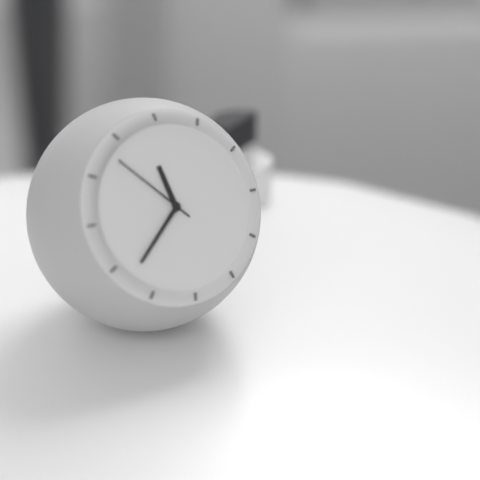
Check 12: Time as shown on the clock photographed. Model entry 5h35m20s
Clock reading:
11h38m53s
